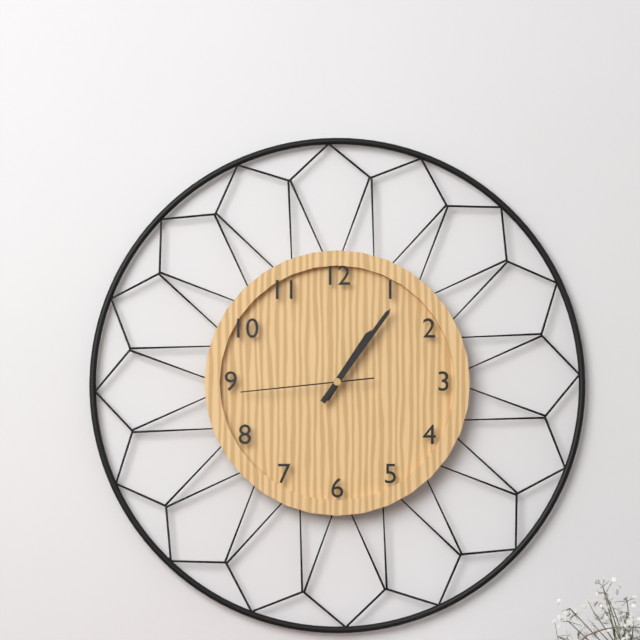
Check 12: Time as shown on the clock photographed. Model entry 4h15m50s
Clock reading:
1h06m44s
